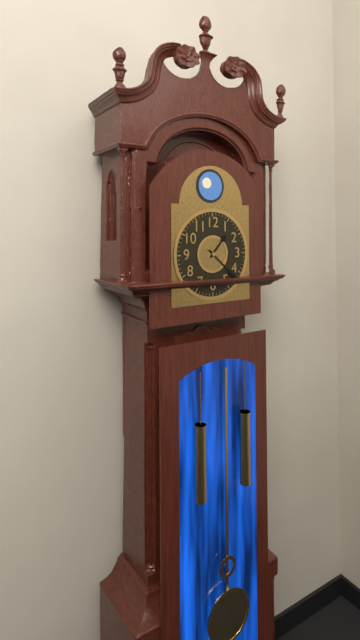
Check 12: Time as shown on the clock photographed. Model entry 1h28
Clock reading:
1h22
